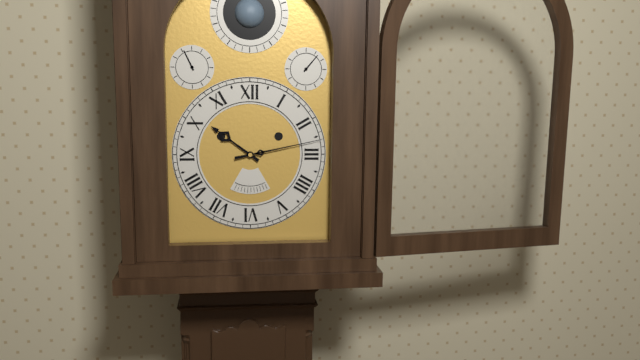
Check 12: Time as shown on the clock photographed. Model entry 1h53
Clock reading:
10h13
